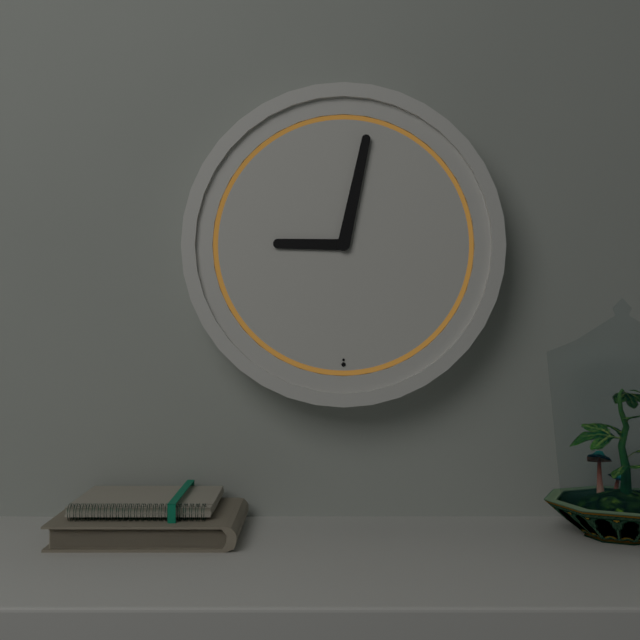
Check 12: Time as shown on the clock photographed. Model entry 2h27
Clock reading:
9h02
